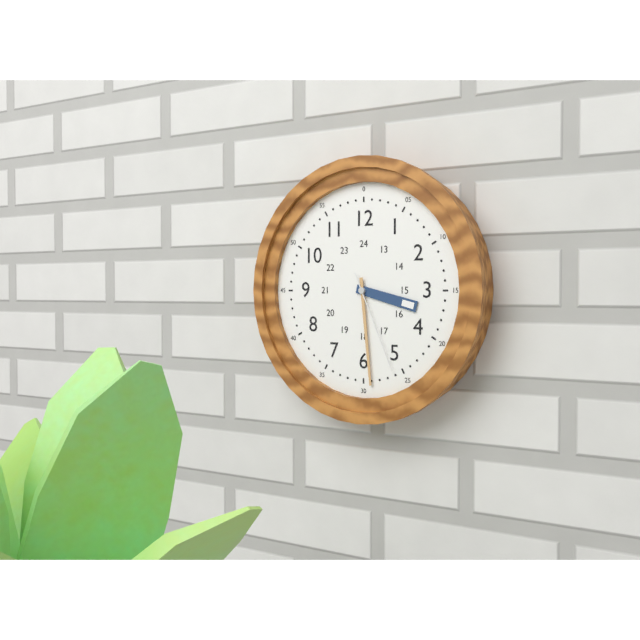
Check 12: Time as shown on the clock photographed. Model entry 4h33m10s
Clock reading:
3h29m26s
